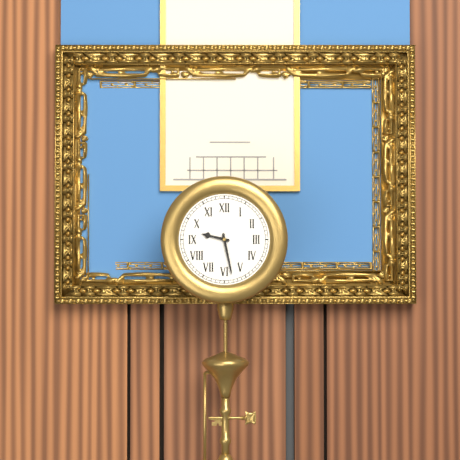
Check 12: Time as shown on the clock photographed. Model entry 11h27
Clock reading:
9h28
